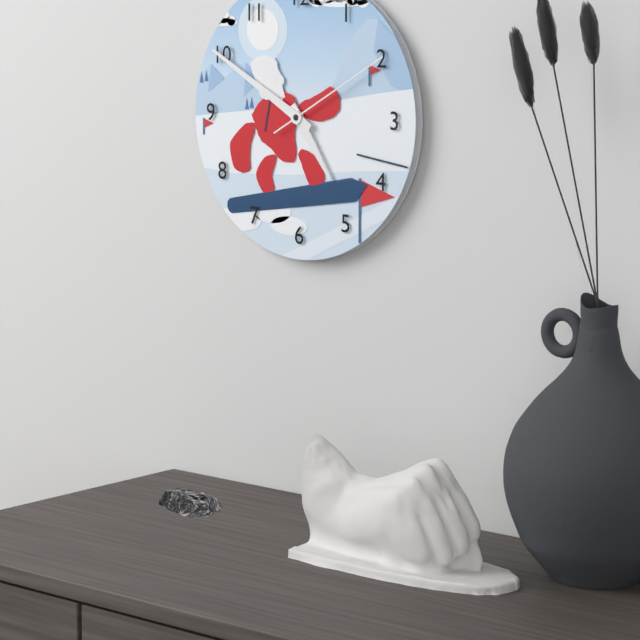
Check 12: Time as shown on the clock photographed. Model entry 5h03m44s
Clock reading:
4h50m10s
